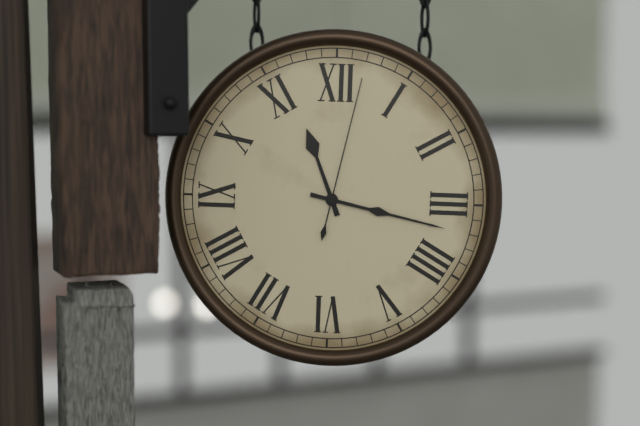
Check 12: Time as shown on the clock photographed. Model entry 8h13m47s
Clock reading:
11h17m02s
